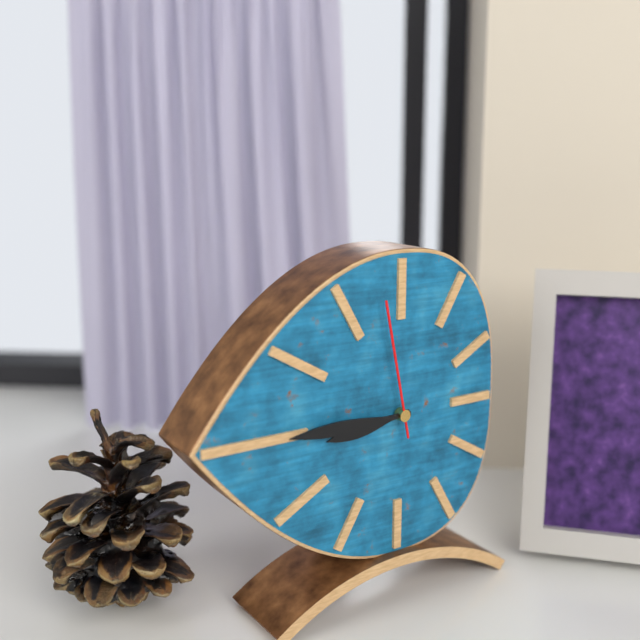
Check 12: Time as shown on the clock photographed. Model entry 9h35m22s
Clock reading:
8h45m58s
